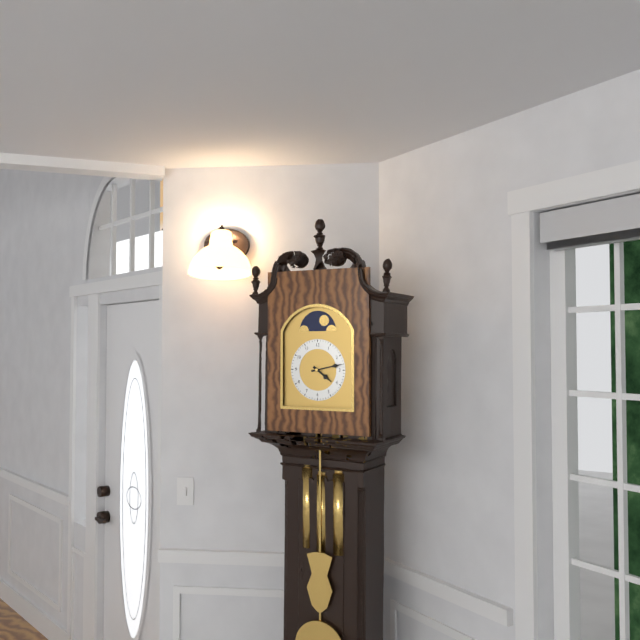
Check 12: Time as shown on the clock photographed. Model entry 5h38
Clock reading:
4h13
